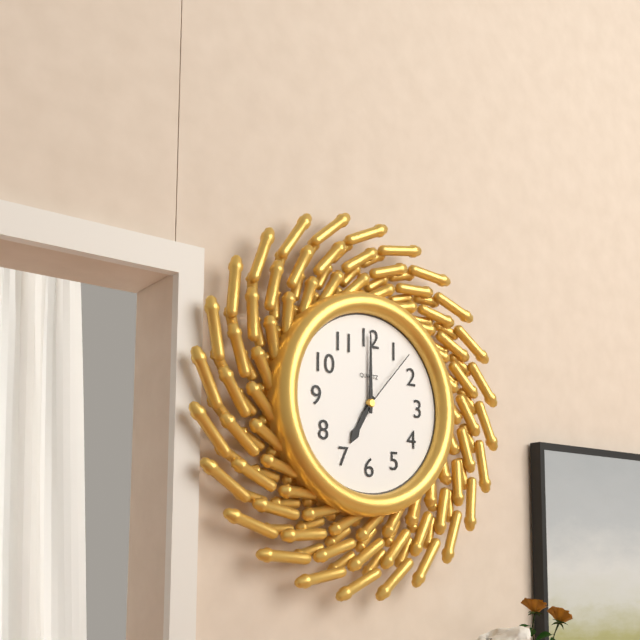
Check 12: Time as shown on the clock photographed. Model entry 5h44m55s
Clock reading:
7h00m07s
